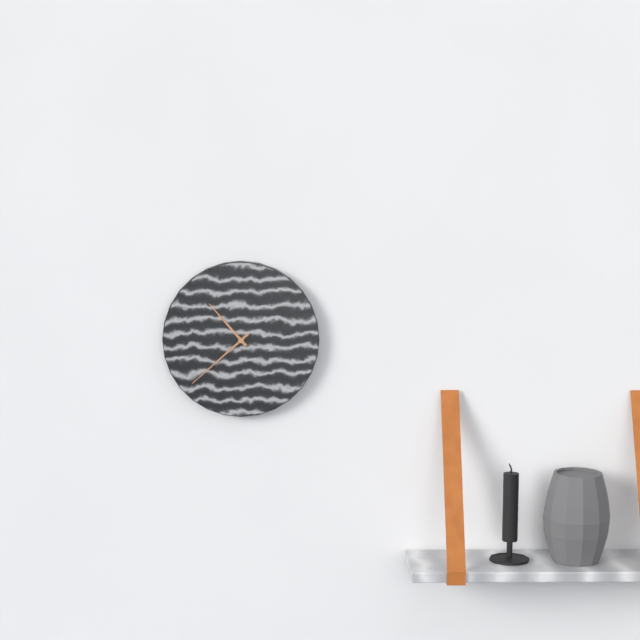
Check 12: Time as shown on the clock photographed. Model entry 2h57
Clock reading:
10h38
